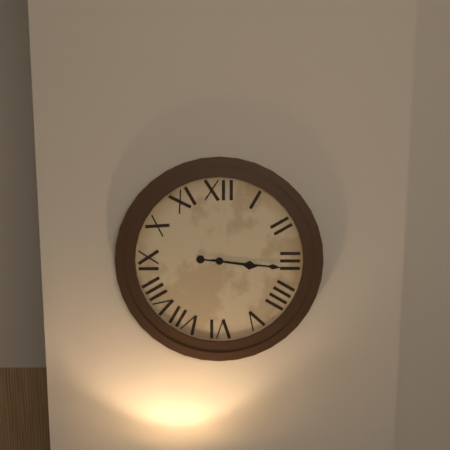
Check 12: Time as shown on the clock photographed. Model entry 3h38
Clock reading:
3h16
